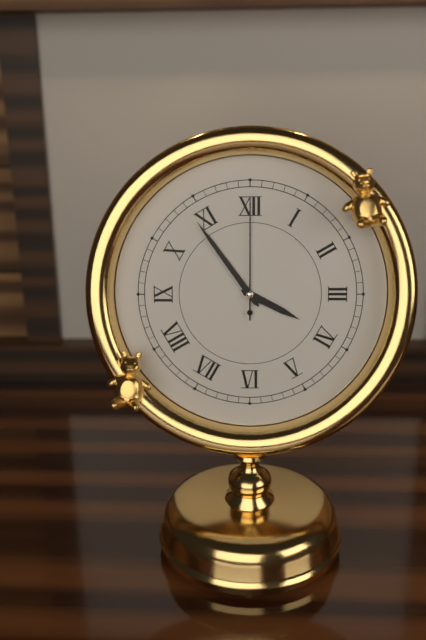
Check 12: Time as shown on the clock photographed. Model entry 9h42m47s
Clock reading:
3h54m00s
